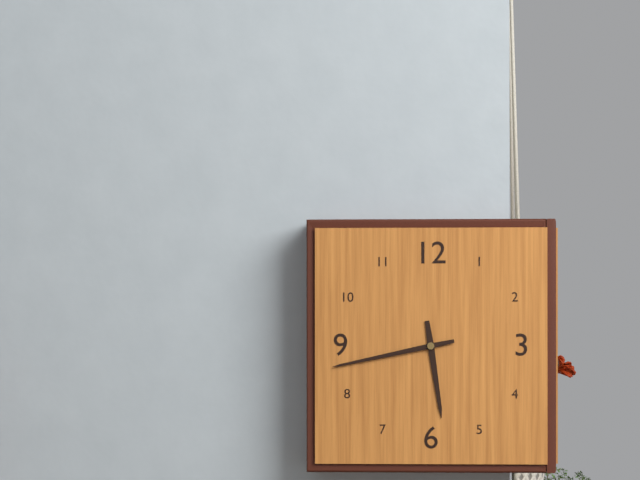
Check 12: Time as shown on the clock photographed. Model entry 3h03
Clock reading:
5h43
